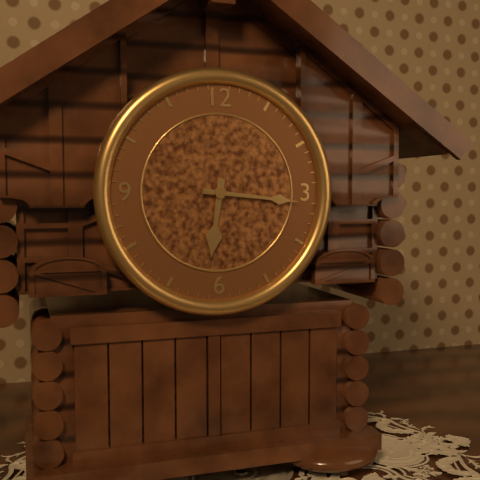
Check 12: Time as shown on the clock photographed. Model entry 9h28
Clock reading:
6h16
